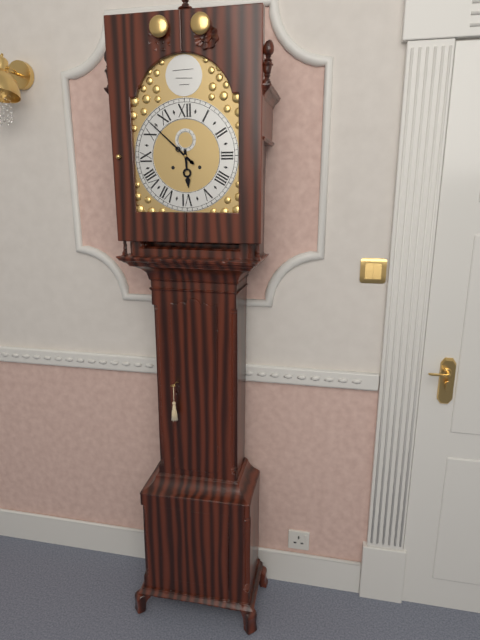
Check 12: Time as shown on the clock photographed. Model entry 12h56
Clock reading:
5h52
